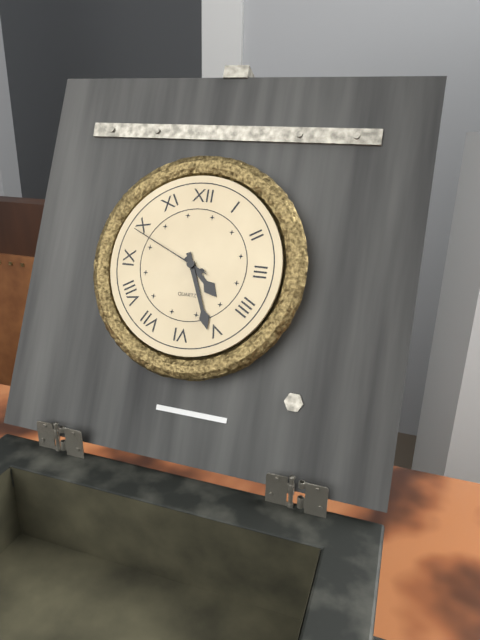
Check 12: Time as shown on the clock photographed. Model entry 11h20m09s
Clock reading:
4h26m49s
